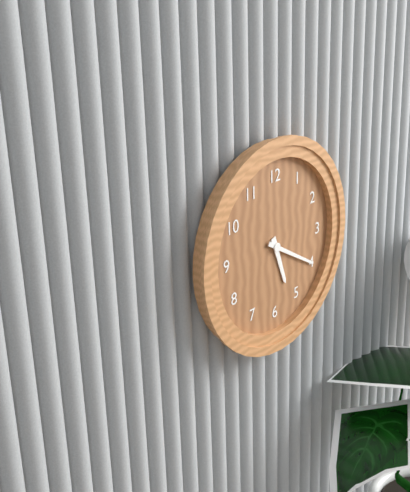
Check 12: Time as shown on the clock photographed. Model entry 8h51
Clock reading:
5h20
